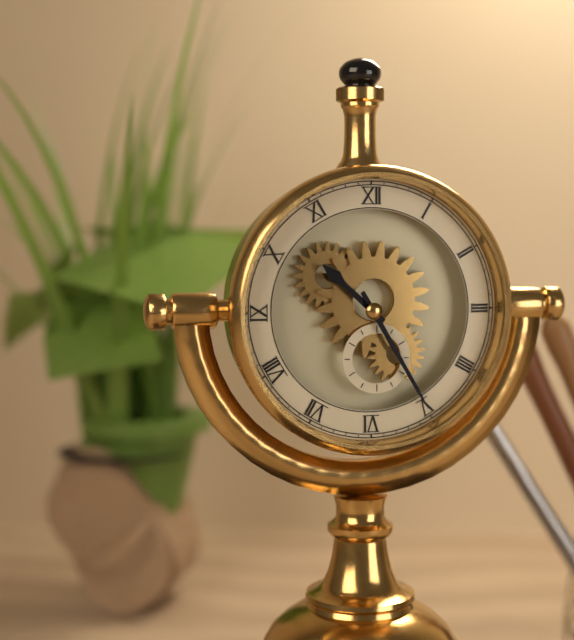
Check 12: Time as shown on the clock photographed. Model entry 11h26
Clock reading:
10h25
